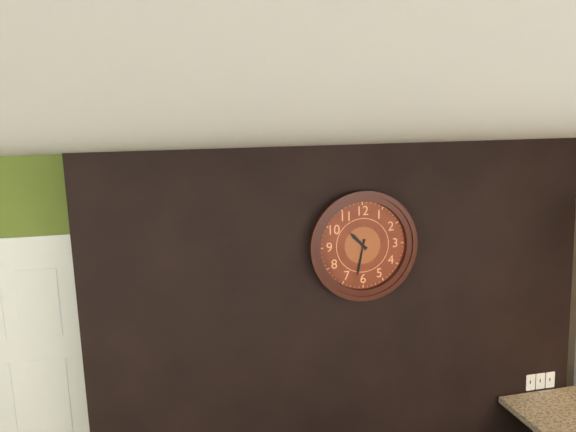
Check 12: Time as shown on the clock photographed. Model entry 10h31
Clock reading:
10h32
